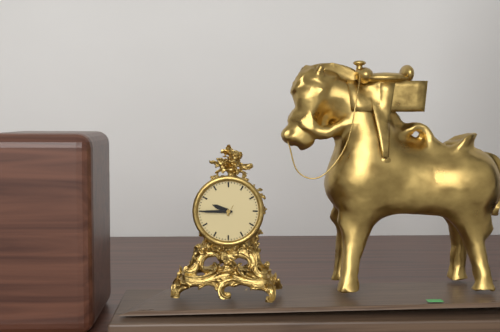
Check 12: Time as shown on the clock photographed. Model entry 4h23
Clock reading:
9h45
